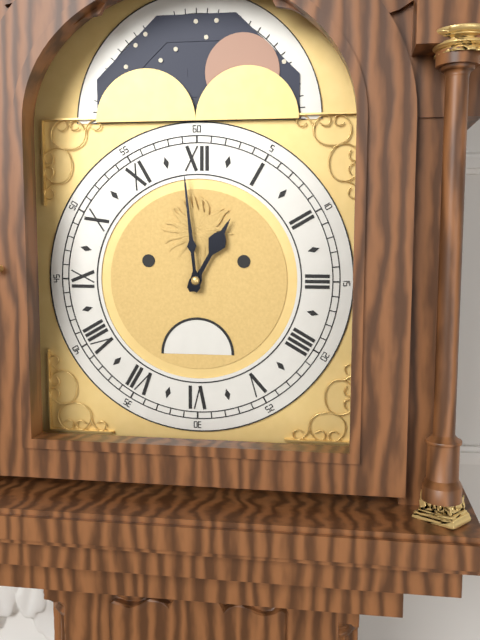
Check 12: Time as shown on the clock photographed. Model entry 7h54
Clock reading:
12h59
